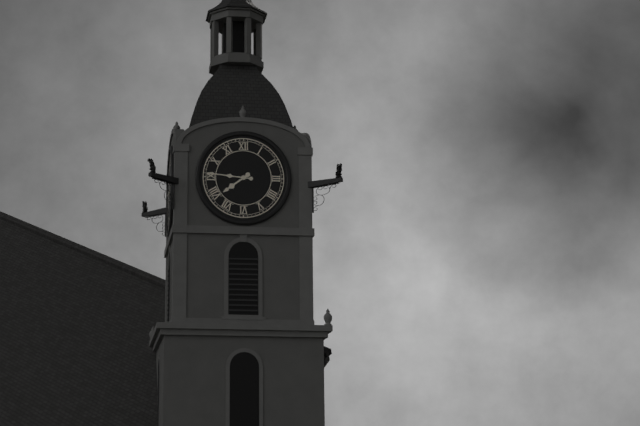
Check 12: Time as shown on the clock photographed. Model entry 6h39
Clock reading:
7h46
